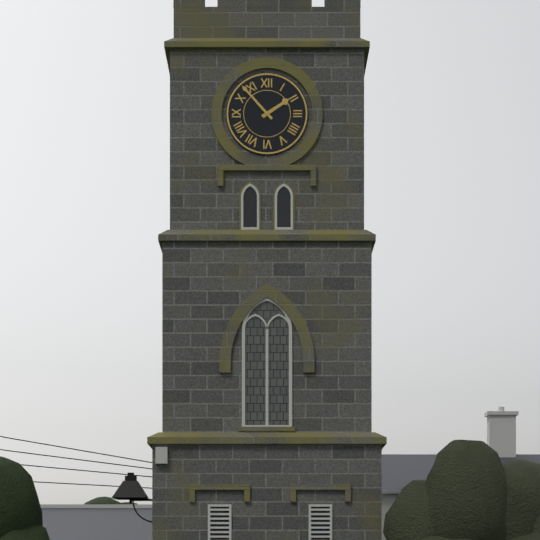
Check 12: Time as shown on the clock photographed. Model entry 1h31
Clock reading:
1h53
